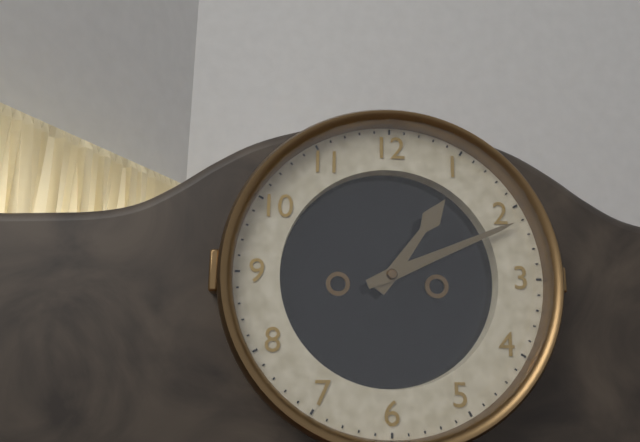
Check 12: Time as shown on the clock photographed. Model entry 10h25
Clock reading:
1h11
